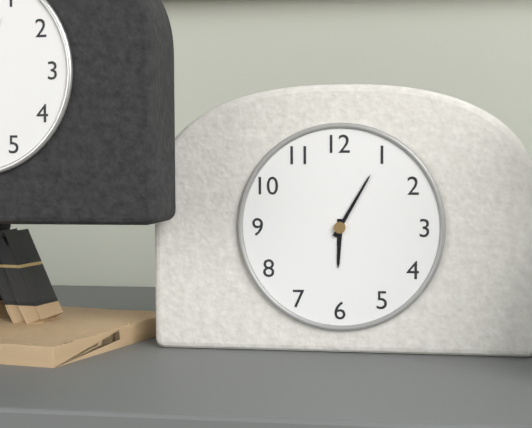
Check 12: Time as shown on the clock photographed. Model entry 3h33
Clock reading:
6h05
